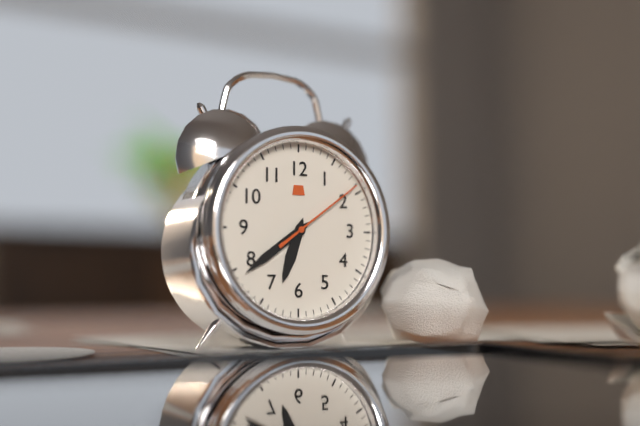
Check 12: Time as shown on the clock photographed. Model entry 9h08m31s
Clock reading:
6h39m09s
